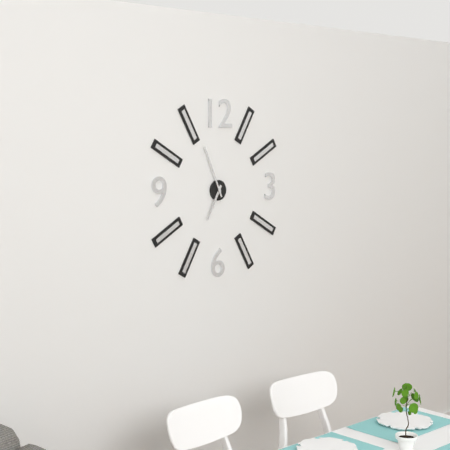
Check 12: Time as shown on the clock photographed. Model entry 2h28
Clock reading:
6h56
